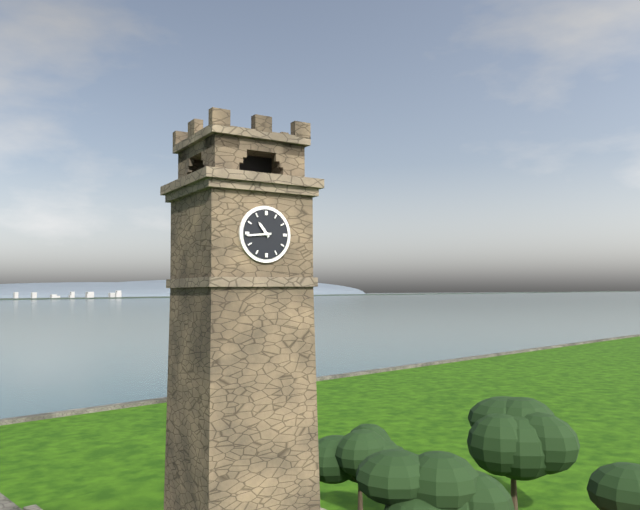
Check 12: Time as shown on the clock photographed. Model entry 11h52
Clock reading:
10h44
